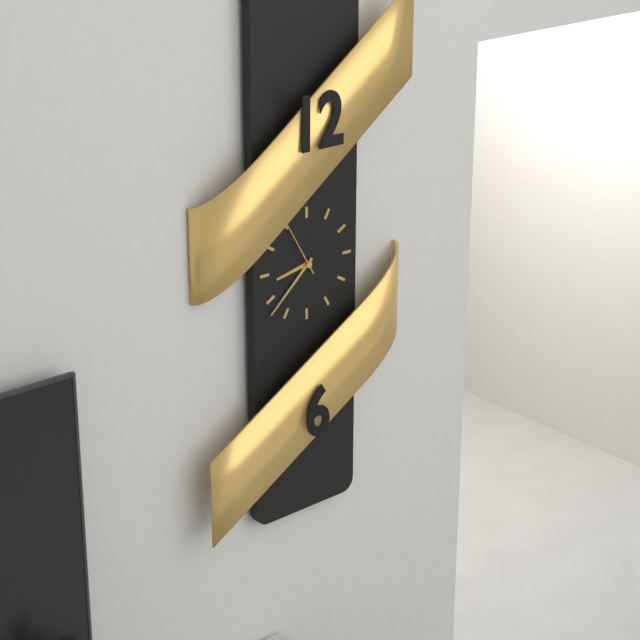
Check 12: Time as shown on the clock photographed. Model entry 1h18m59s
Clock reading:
8h38m55s
